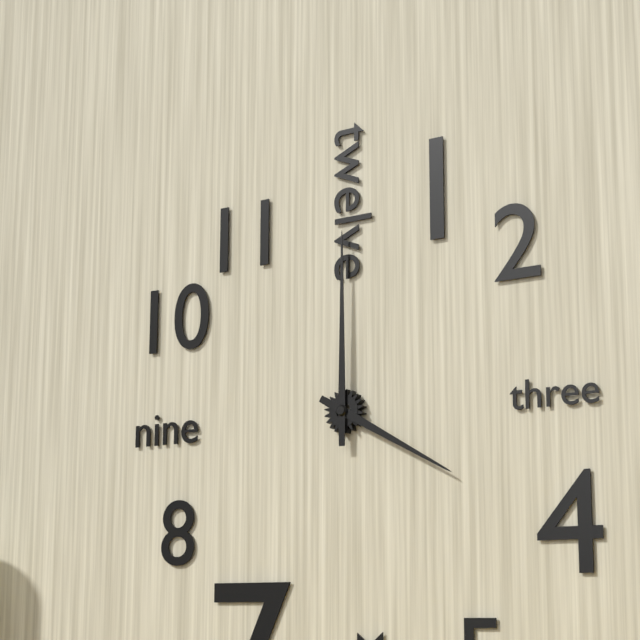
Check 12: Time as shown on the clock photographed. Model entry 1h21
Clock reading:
4h00
